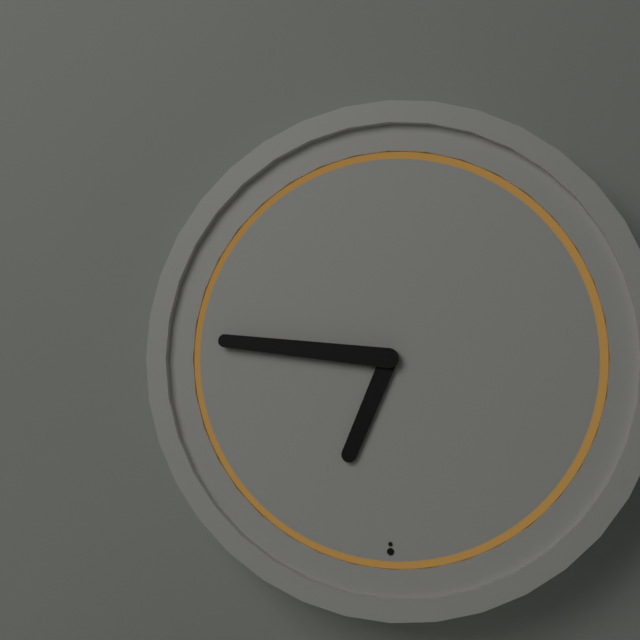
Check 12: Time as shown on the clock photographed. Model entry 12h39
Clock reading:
6h46
